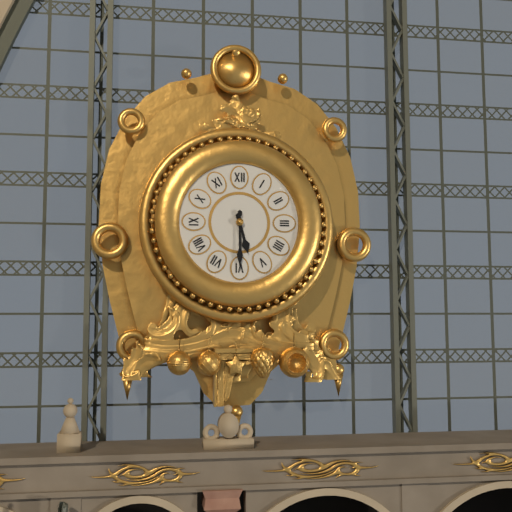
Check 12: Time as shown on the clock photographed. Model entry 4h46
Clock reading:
5h30
